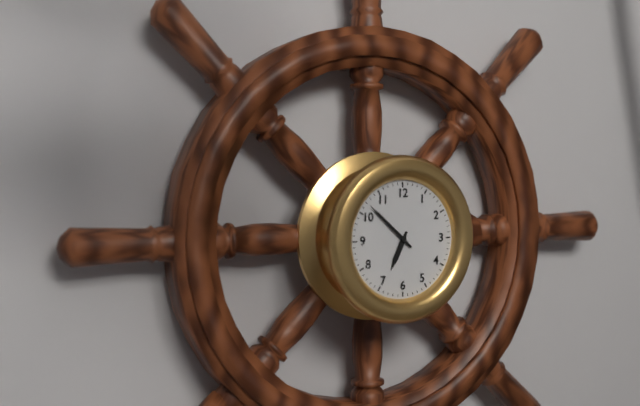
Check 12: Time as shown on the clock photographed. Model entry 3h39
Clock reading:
6h52
